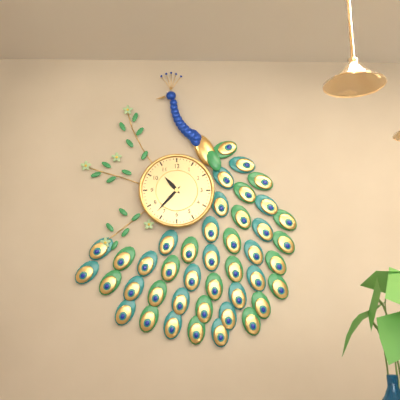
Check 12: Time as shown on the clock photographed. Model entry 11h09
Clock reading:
10h37
